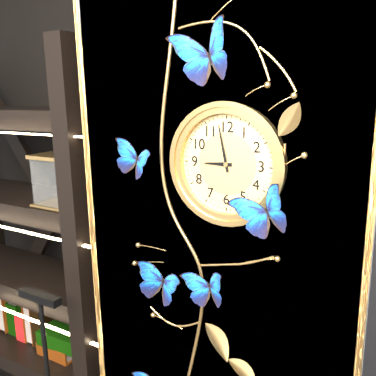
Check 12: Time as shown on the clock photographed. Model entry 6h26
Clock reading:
8h58
